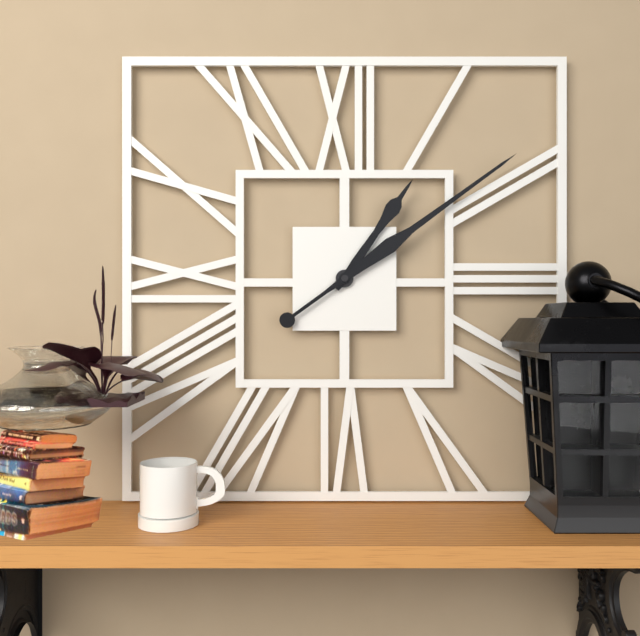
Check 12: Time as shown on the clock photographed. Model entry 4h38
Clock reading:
1h09
